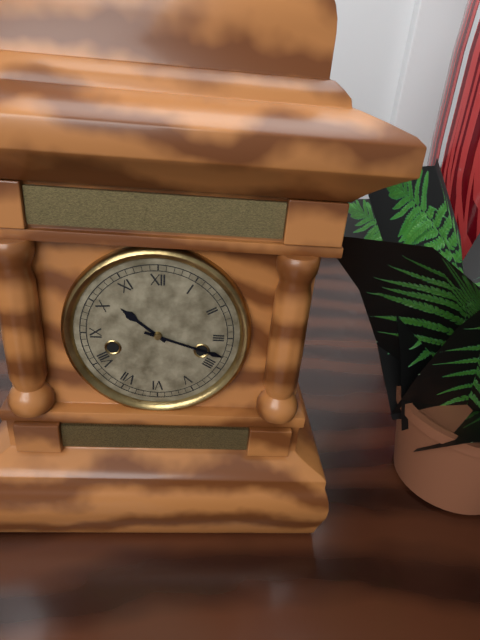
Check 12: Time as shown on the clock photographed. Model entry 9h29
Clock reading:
10h18
